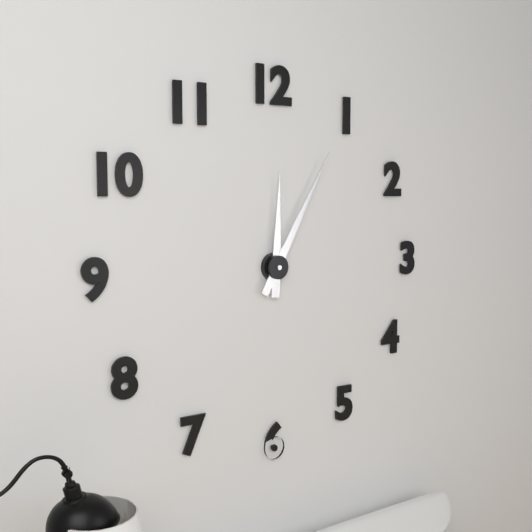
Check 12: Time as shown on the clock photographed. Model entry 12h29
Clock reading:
12h05
